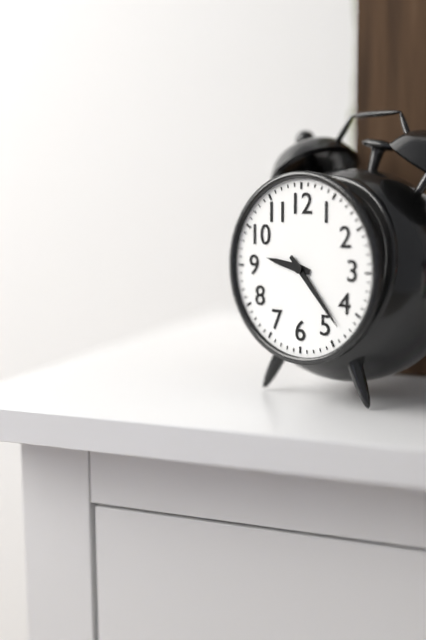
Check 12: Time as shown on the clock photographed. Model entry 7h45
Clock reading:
9h23
